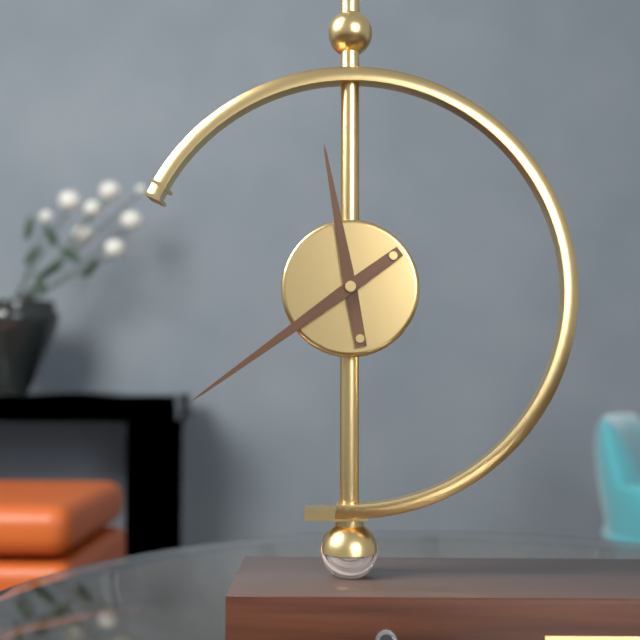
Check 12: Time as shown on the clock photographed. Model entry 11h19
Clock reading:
11h39
